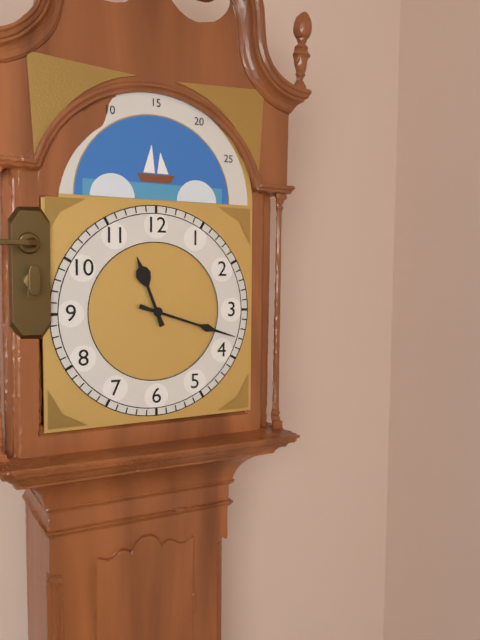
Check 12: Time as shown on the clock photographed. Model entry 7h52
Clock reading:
11h18
